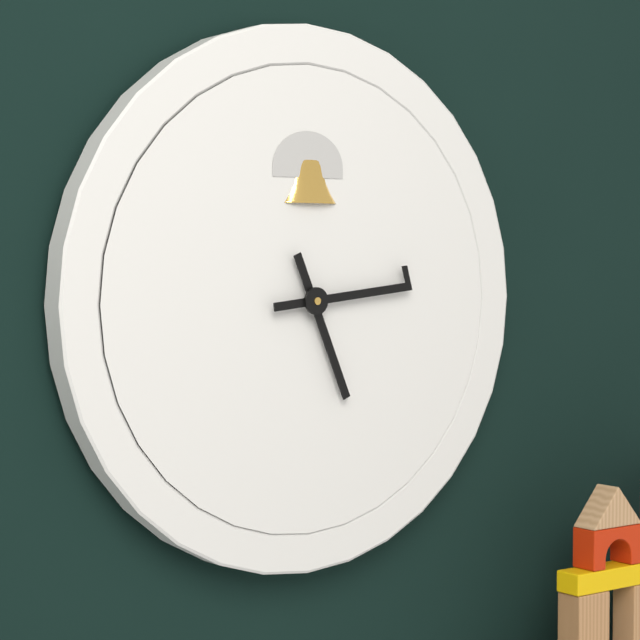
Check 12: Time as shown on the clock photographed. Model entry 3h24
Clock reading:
5h14
